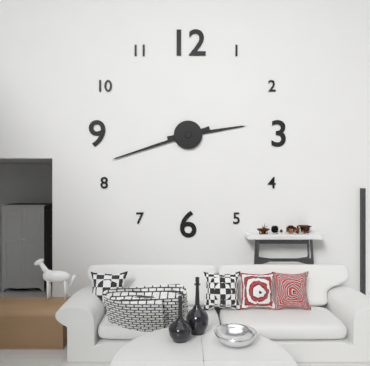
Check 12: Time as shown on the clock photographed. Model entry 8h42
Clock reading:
2h42
